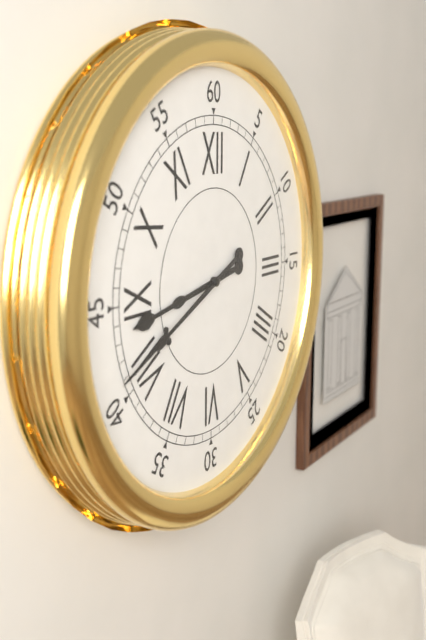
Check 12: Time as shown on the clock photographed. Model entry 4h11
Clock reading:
8h41
